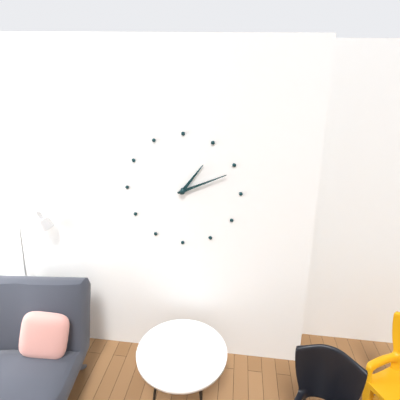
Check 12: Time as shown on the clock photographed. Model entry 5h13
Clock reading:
1h11
